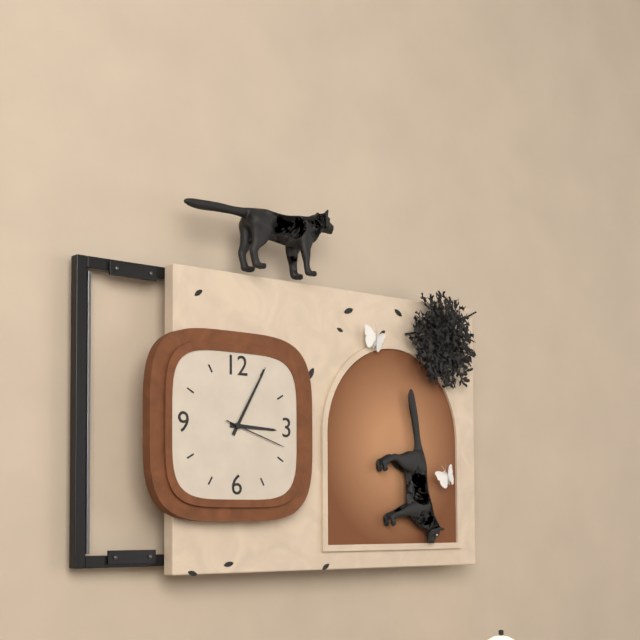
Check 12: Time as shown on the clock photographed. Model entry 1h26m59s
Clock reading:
3h05m18s
